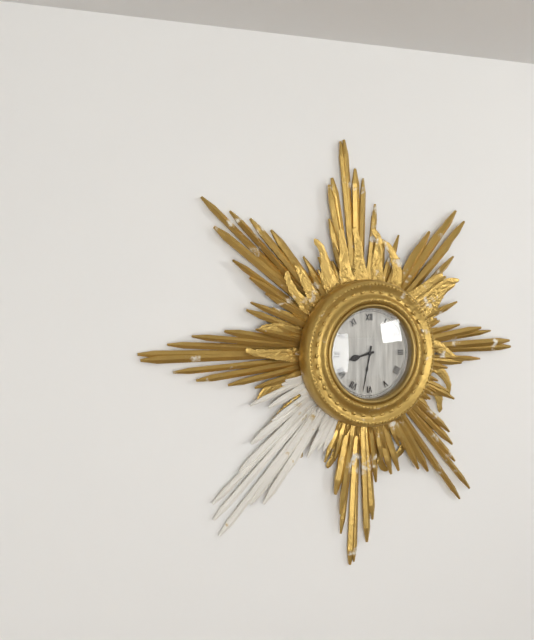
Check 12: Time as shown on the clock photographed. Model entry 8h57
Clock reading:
8h32
